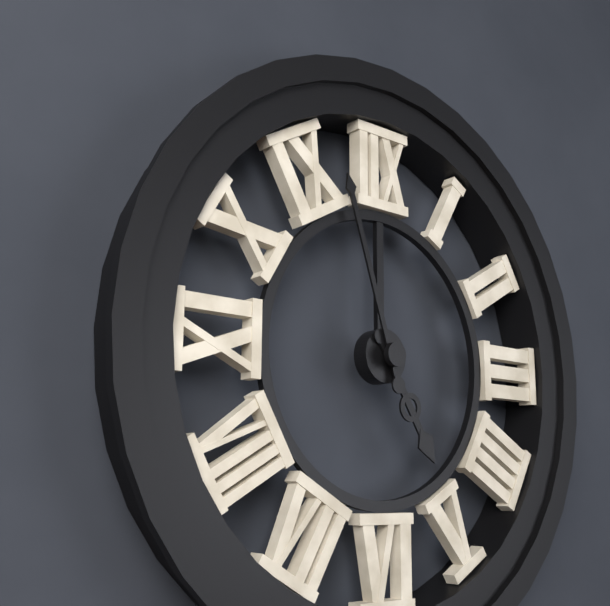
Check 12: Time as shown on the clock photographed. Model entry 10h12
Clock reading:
4h57
